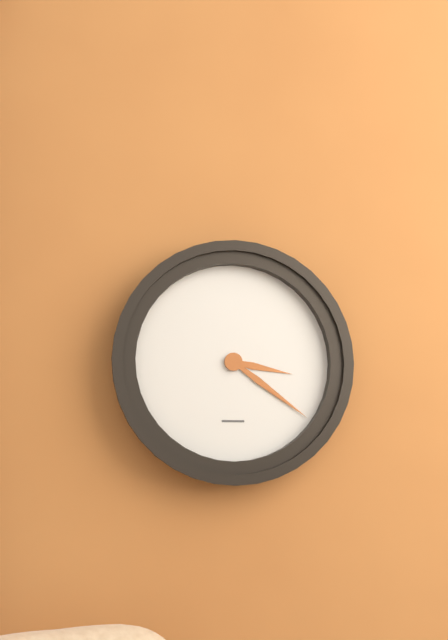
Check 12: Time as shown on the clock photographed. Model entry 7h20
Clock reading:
3h21
